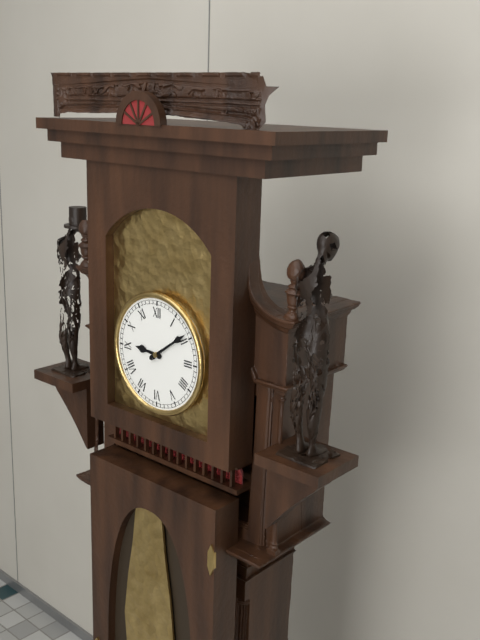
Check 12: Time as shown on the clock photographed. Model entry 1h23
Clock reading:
9h09
